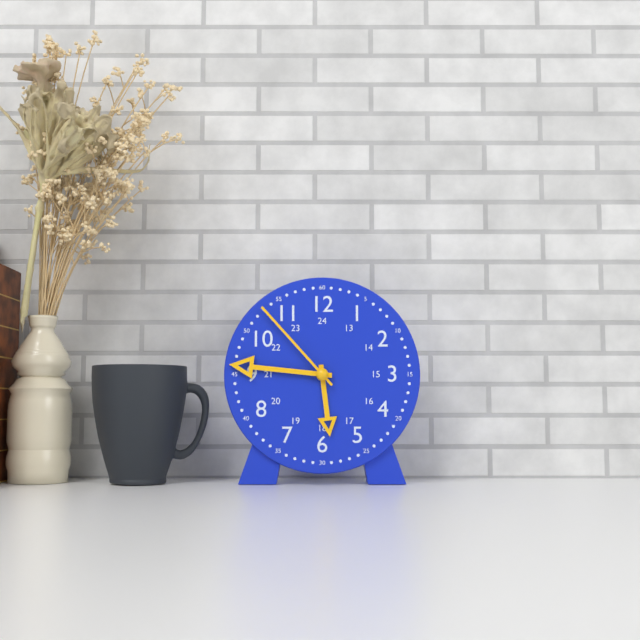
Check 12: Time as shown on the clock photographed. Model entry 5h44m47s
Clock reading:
5h46m53s
